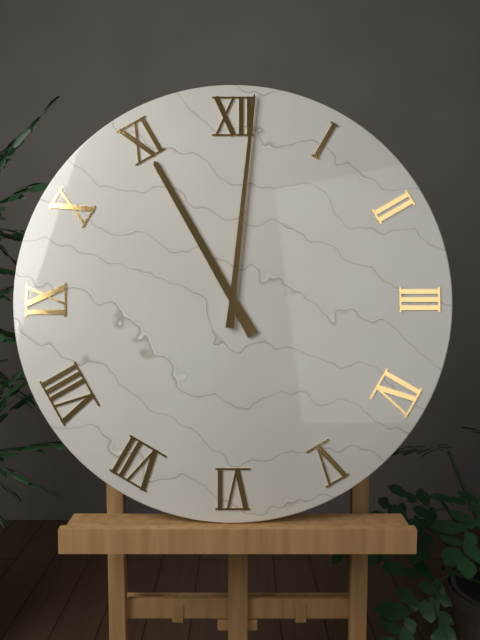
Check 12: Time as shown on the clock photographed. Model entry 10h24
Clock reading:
11h01
